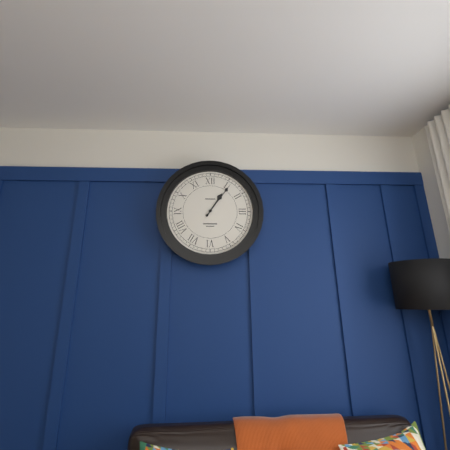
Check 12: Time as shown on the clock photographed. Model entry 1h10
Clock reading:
1h06
